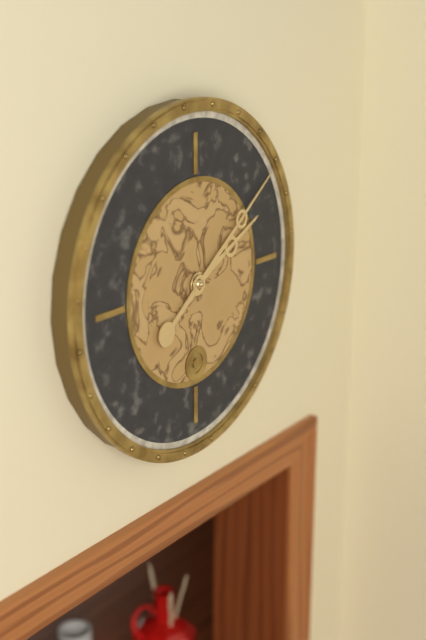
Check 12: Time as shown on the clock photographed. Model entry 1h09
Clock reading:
2h09
